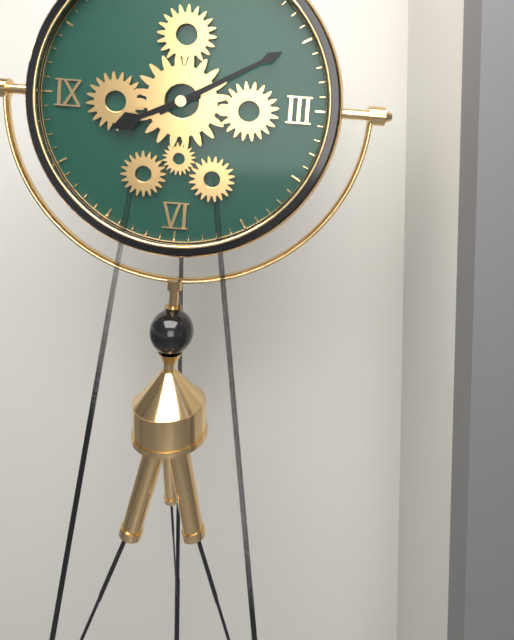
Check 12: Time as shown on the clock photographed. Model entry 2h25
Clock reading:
8h10
